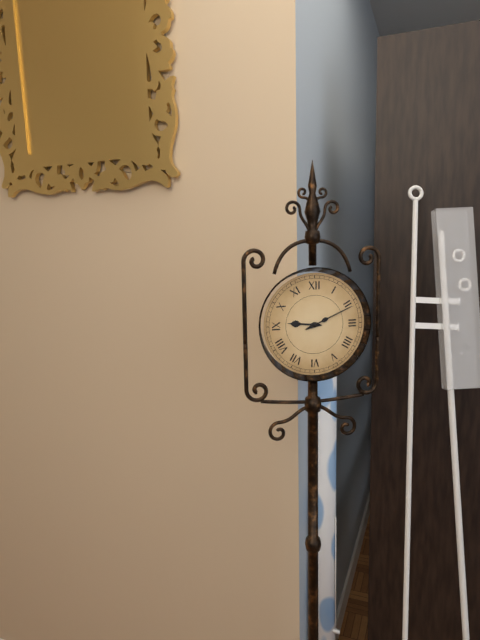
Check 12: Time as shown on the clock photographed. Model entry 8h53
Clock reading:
9h11
